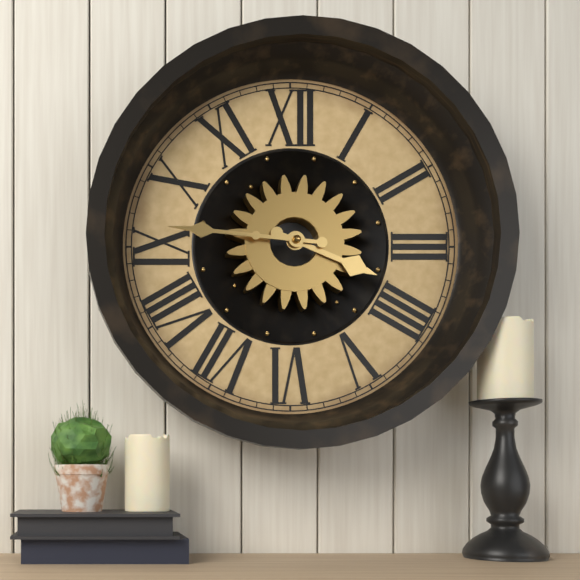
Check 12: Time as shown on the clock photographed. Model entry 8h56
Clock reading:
3h46
